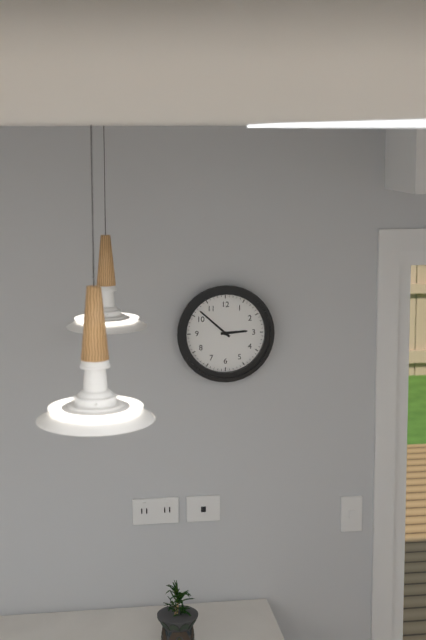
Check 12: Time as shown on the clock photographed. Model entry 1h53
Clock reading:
2h52
